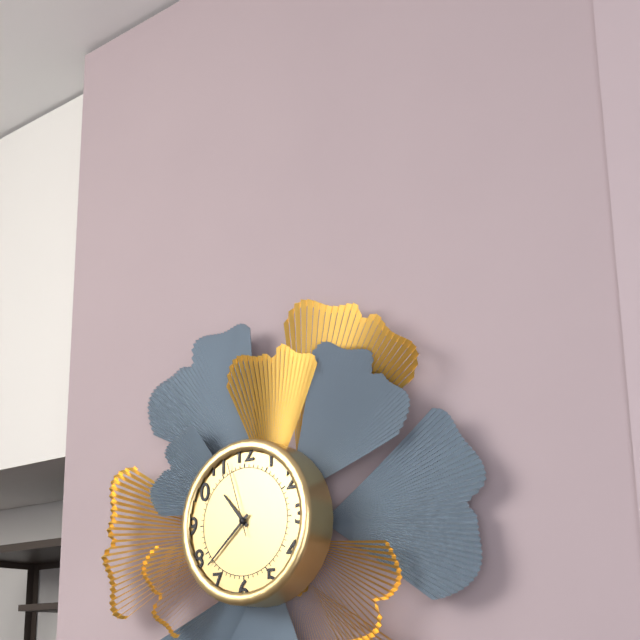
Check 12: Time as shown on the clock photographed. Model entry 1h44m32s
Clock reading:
10h38m57s
